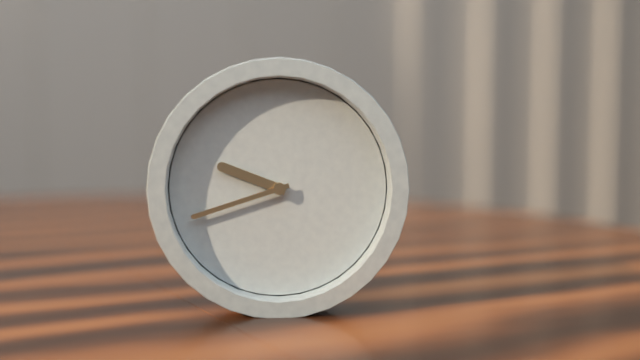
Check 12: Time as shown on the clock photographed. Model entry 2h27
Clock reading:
9h42
